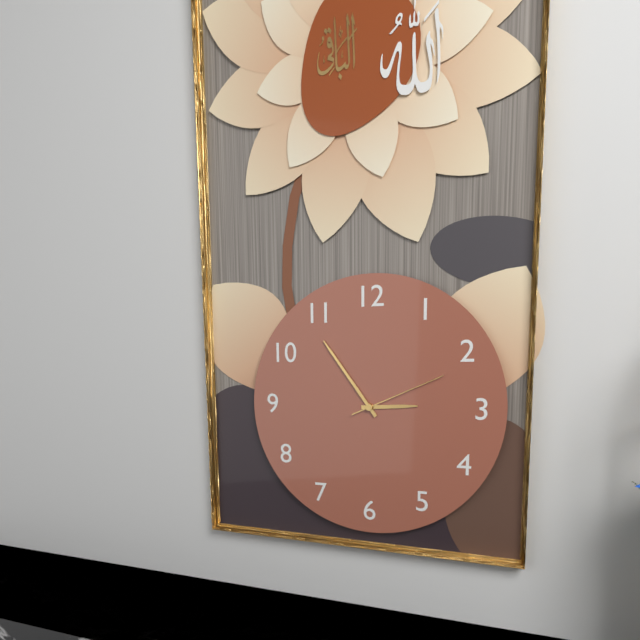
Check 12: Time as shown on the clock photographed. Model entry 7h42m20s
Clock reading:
2h54m11s
